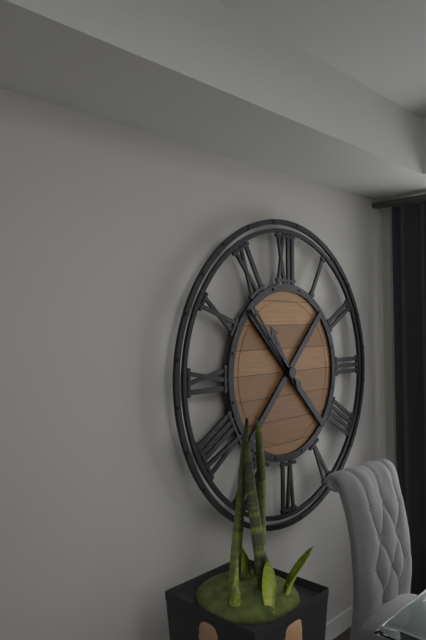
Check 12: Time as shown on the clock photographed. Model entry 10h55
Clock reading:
10h53
